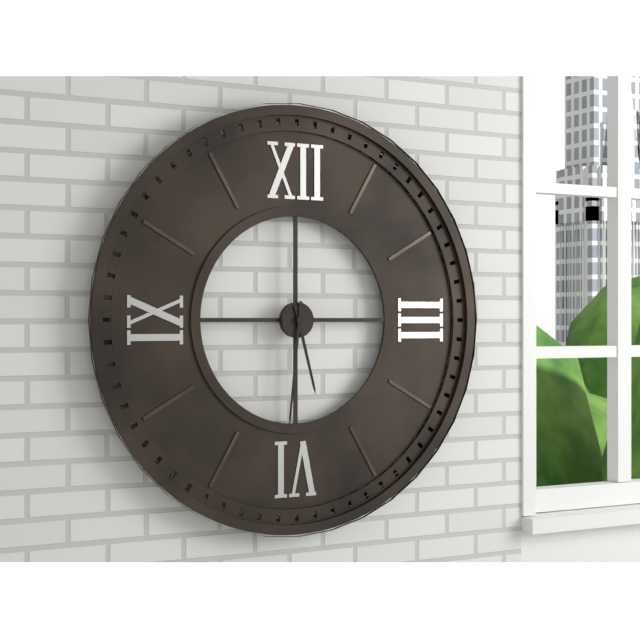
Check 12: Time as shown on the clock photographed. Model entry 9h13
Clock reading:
5h31
